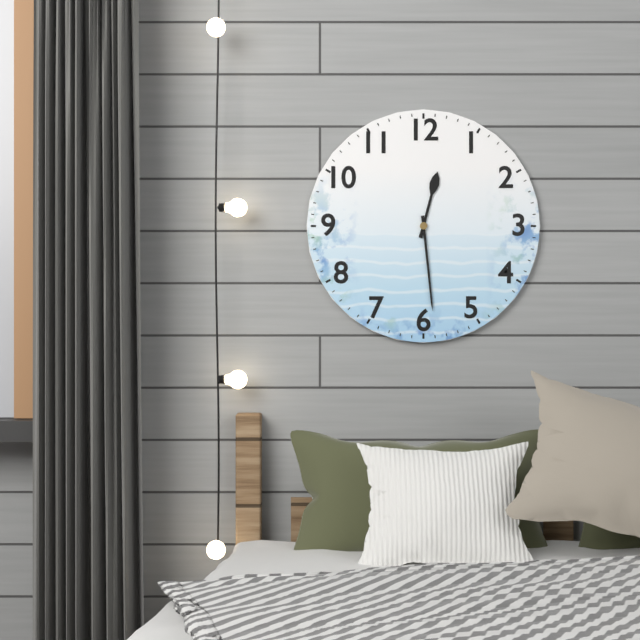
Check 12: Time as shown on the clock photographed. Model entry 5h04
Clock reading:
12h29
